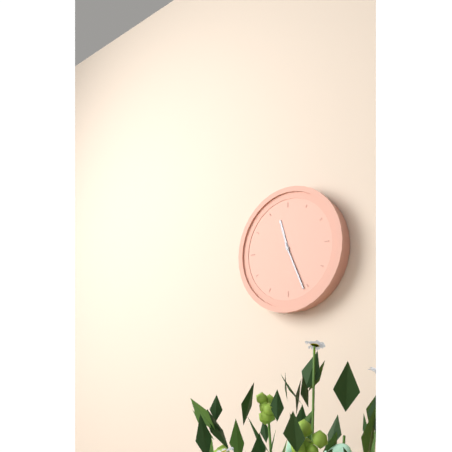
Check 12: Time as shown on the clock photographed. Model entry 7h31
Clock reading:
11h26
